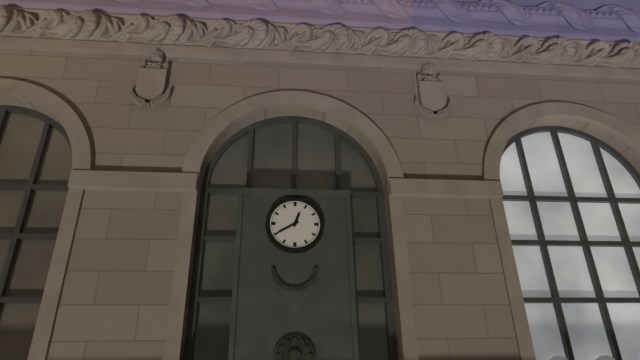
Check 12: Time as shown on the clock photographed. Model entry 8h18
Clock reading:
12h40
